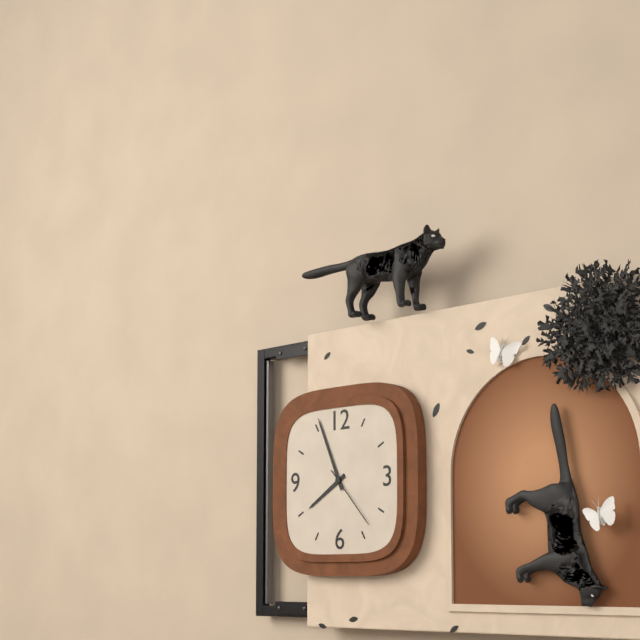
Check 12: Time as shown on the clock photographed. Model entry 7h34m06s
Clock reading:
7h56m23s
